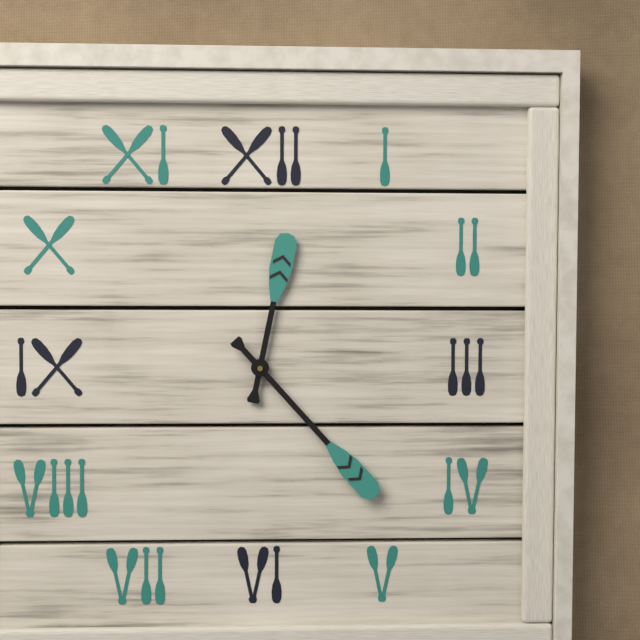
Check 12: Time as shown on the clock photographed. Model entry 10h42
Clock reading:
12h23
